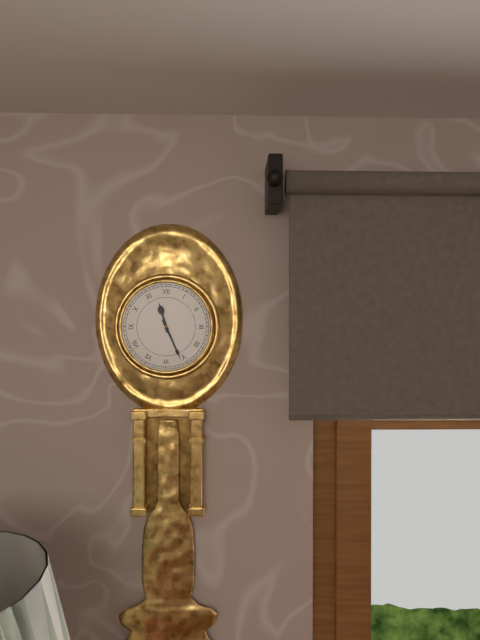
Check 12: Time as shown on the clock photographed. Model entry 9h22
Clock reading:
11h26
